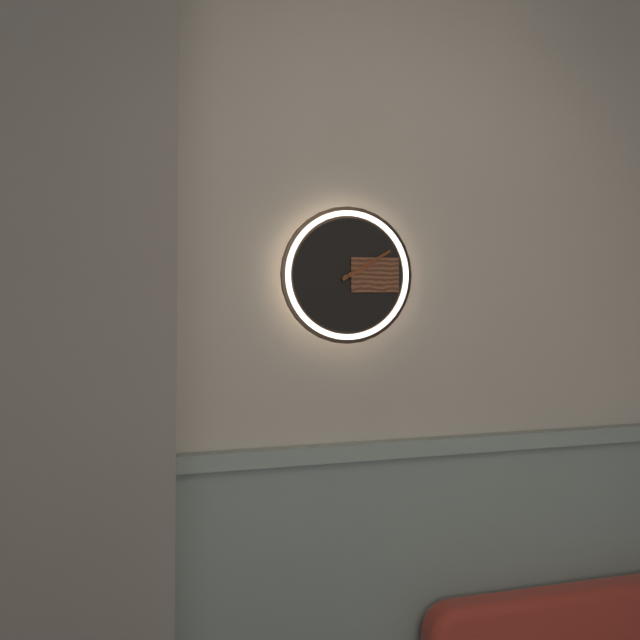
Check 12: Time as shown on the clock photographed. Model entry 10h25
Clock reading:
2h10
